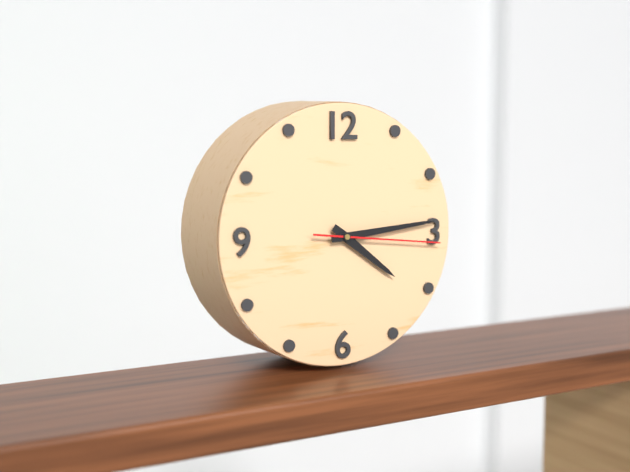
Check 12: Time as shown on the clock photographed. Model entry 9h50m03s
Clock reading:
4h14m16s
